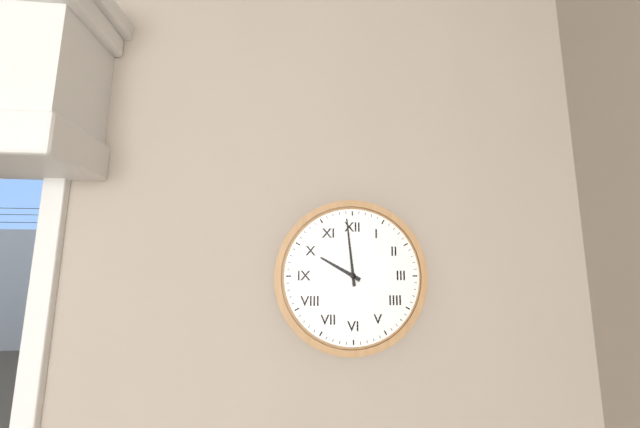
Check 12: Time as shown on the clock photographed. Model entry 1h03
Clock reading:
9h59
